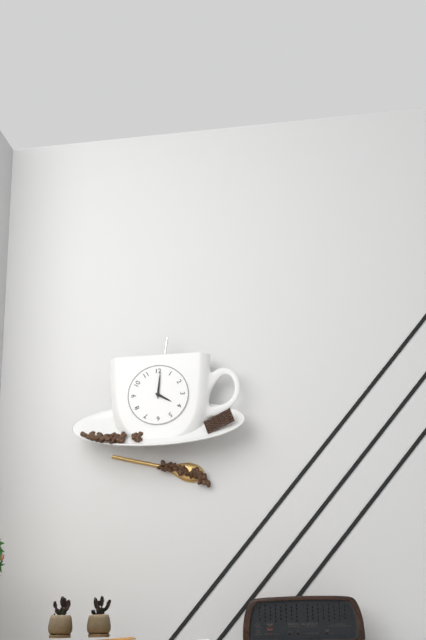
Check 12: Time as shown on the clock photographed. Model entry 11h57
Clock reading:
4h01
